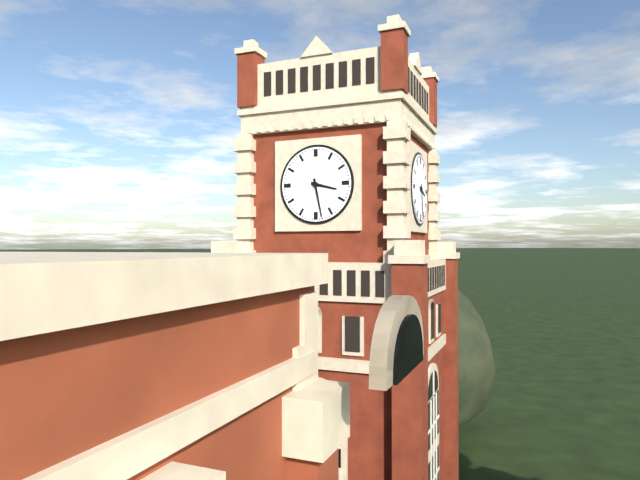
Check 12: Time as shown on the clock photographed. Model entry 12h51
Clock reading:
3h28
